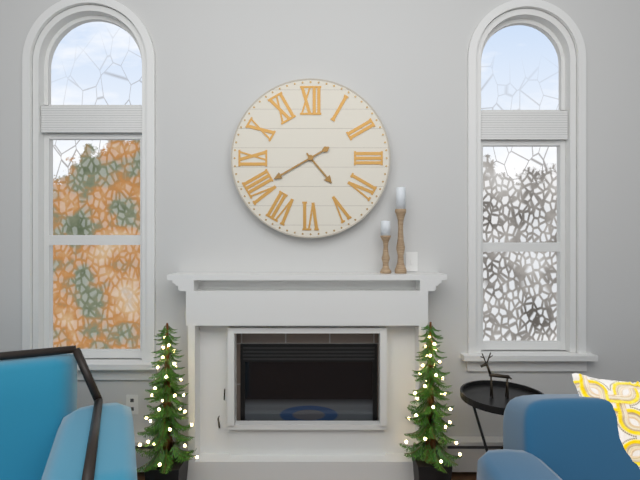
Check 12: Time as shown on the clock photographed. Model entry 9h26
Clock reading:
4h40
